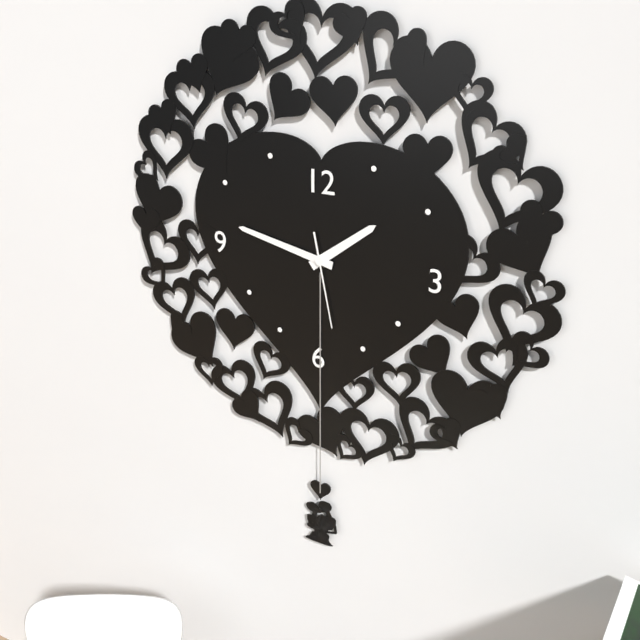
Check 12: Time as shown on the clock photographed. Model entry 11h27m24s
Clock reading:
1h47m28s
